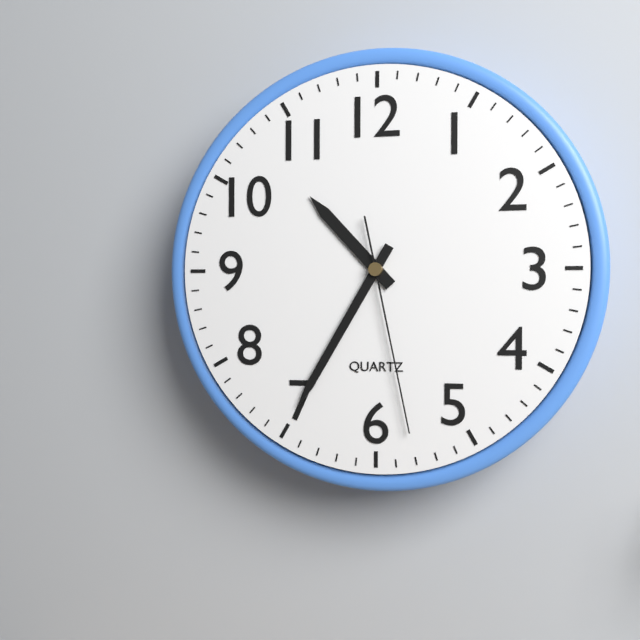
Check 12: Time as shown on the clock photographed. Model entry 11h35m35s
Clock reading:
10h35m28s
